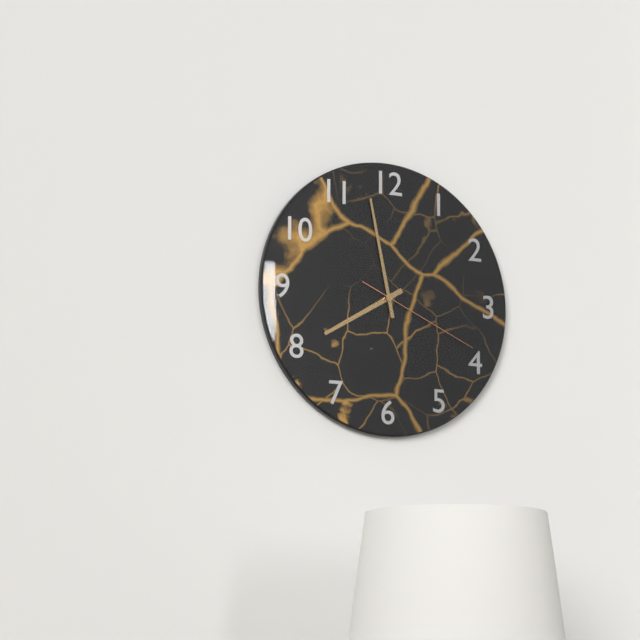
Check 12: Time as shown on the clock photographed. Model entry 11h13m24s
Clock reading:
7h58m19s
